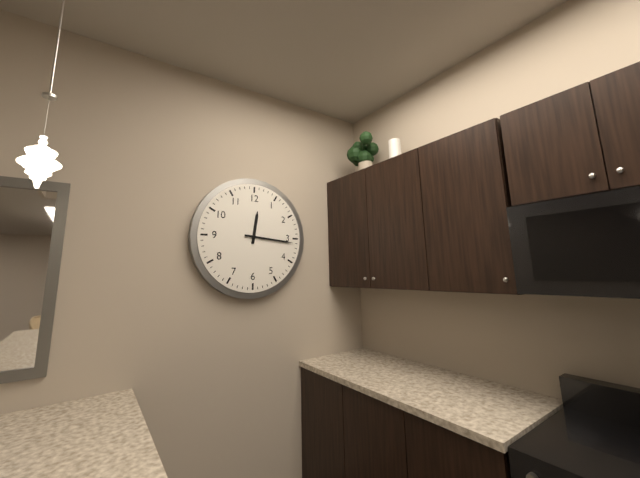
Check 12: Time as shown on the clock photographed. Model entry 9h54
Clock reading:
12h16
